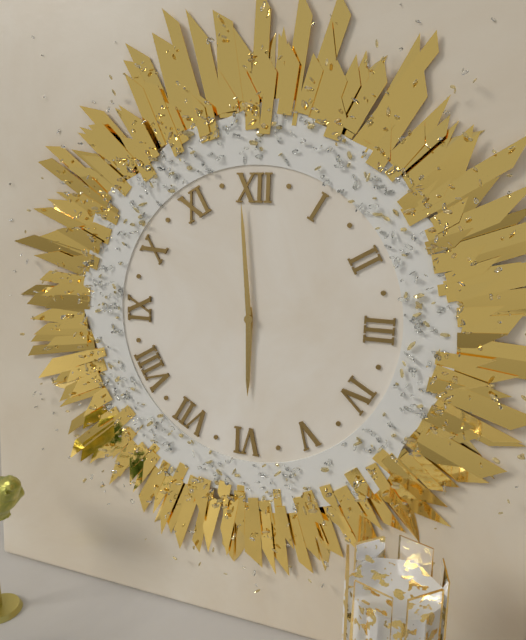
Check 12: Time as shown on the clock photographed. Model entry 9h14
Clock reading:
5h59
